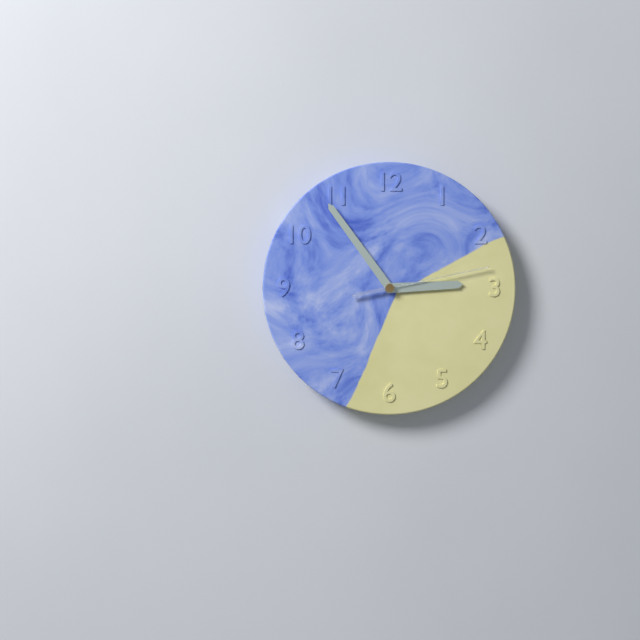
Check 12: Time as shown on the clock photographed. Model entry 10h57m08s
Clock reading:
2h54m13s
